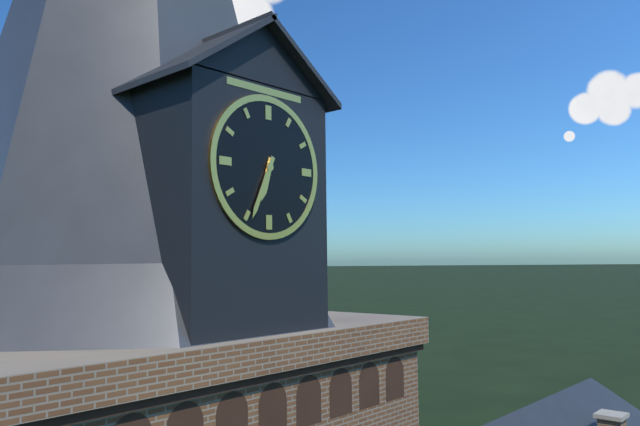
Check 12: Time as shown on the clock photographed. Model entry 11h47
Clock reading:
6h34
